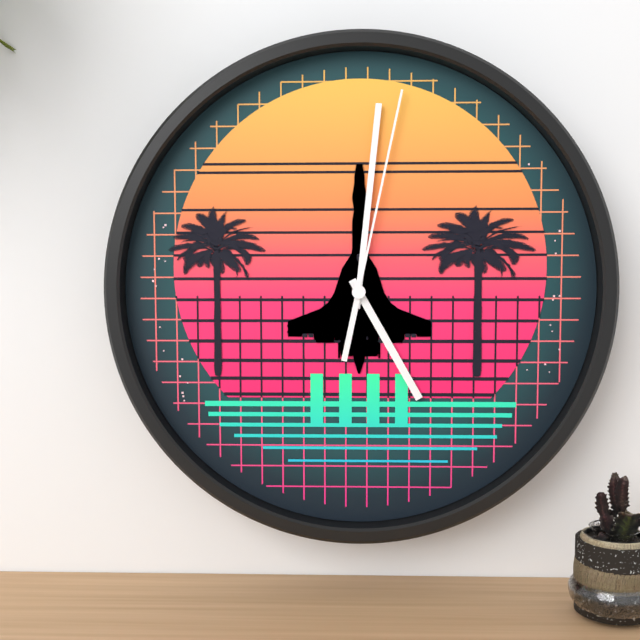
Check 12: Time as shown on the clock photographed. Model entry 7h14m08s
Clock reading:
5h01m02s
